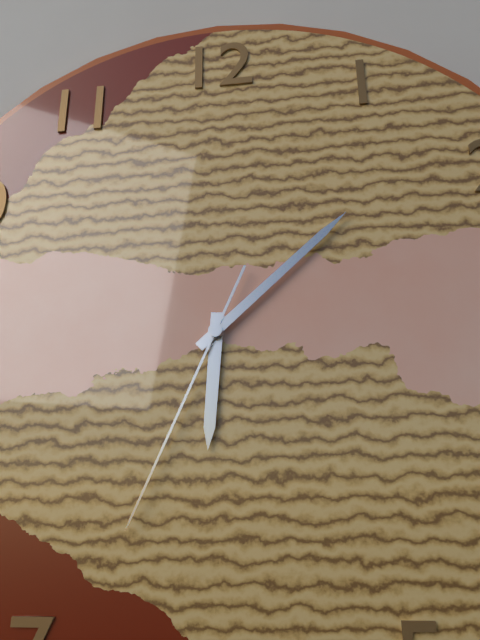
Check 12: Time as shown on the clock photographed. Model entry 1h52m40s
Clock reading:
6h08m34s
